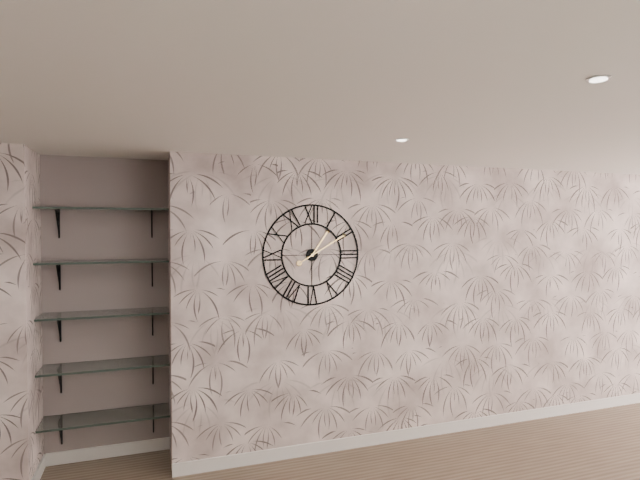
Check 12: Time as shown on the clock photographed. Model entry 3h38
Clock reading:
1h10
